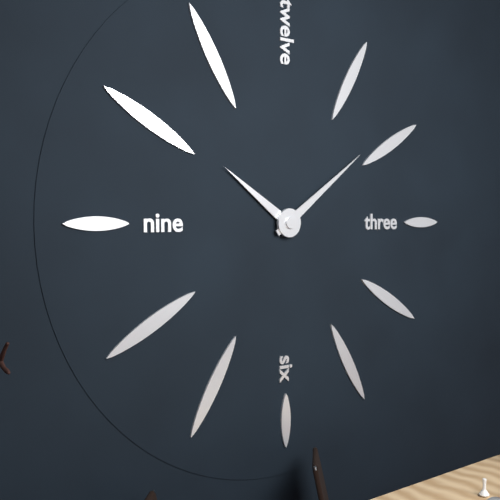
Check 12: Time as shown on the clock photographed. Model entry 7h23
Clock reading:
10h09
